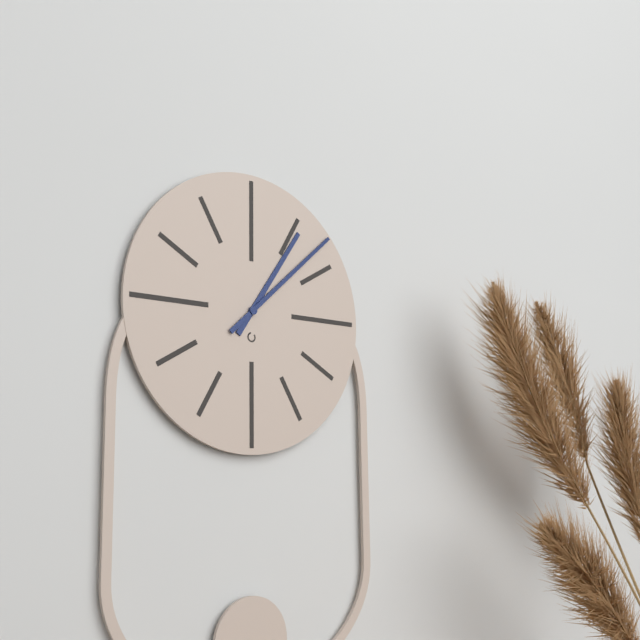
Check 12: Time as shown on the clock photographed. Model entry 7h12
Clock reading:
1h08
